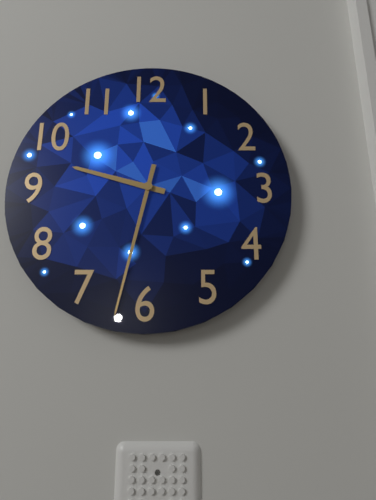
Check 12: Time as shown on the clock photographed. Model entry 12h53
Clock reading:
9h32
